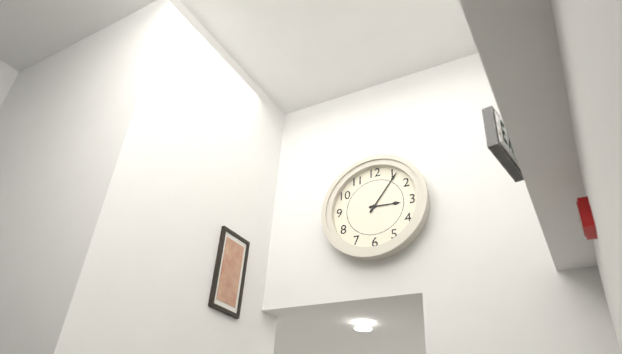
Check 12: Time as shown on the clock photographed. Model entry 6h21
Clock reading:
3h06
